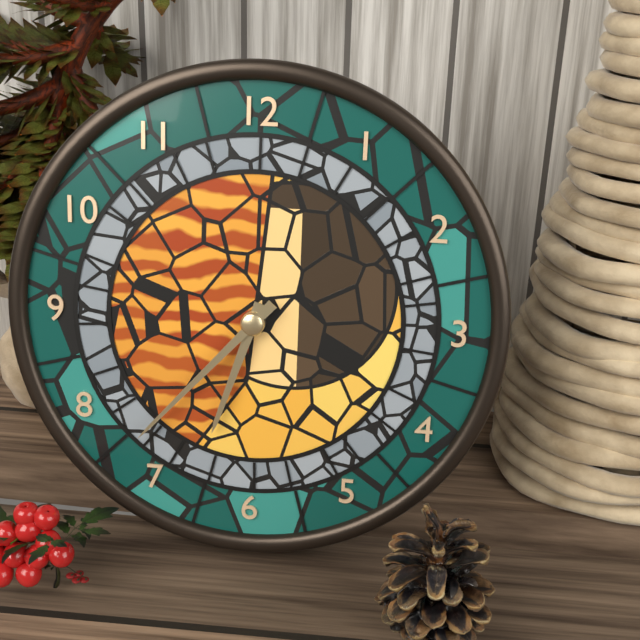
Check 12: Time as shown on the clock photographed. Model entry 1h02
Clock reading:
6h37
